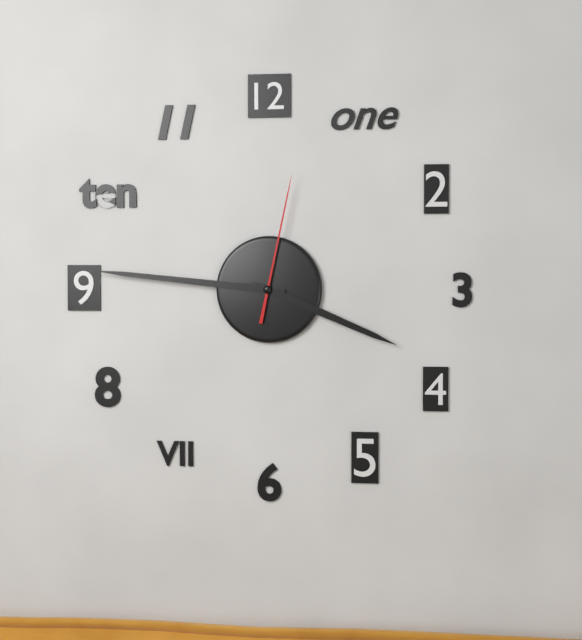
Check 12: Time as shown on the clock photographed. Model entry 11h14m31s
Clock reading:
3h46m02s
